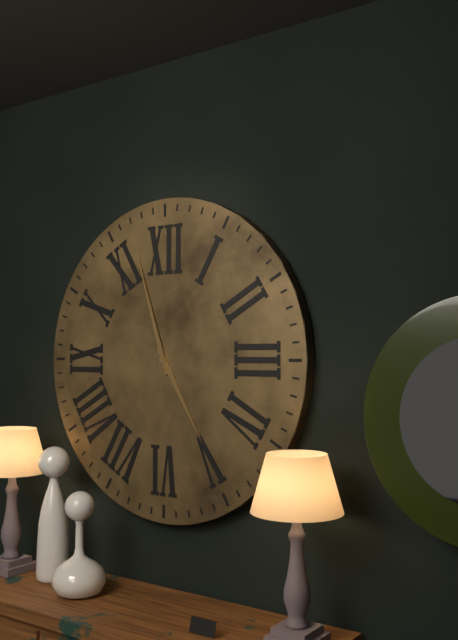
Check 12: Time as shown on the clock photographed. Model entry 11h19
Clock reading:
4h57
